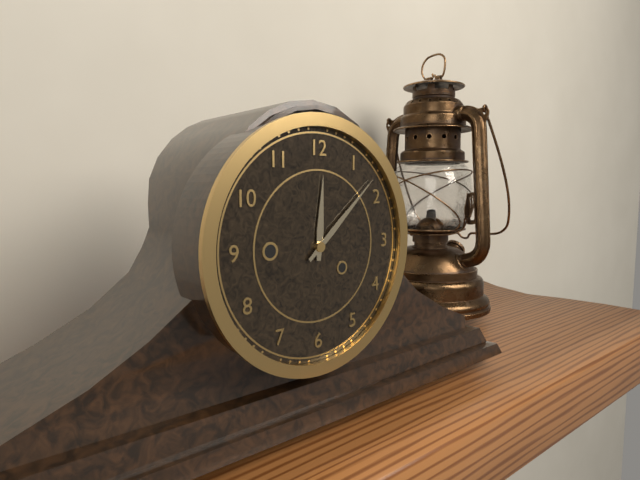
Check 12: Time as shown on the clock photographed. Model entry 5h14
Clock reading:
12h08
